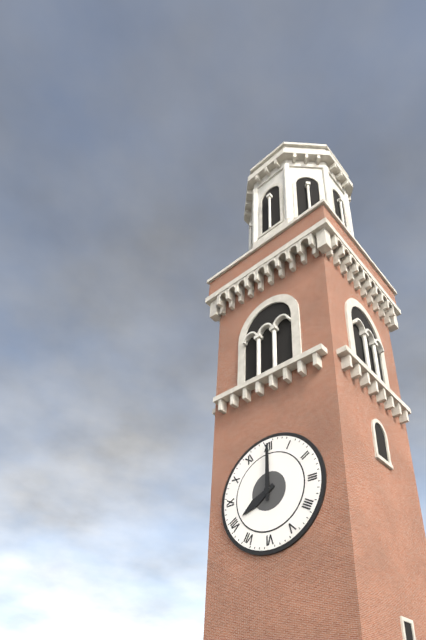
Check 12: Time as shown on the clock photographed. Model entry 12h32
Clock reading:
8h00
